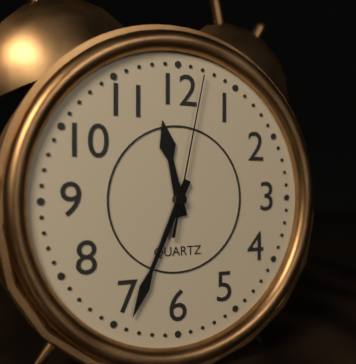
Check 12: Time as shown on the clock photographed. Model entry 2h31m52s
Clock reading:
11h34m02s
